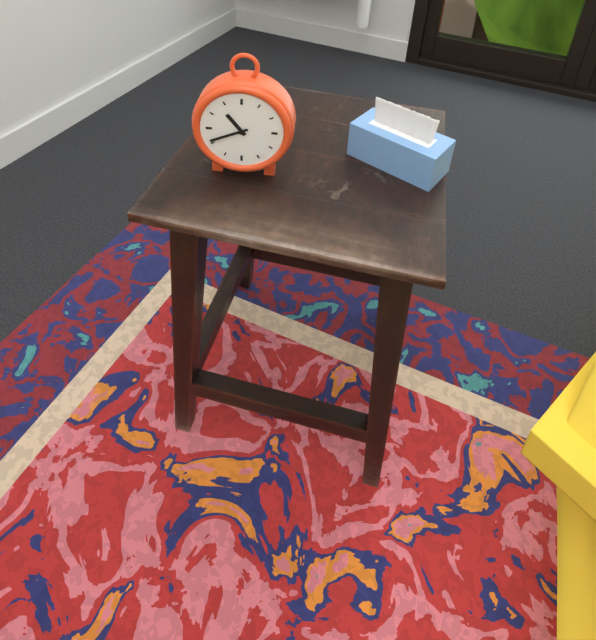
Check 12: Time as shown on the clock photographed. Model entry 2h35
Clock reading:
10h41
